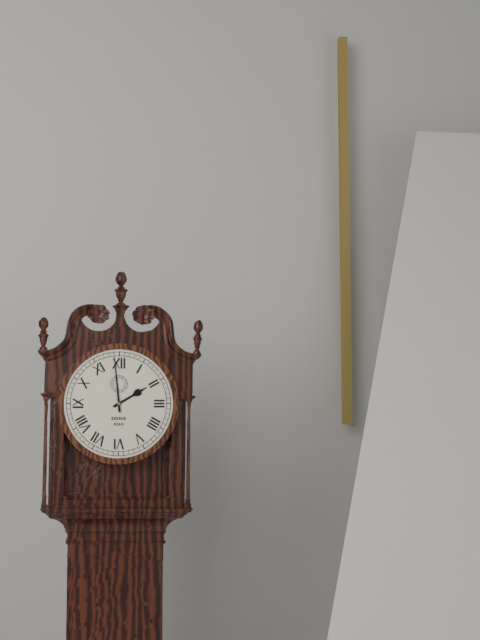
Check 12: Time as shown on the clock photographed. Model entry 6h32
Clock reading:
1h59
